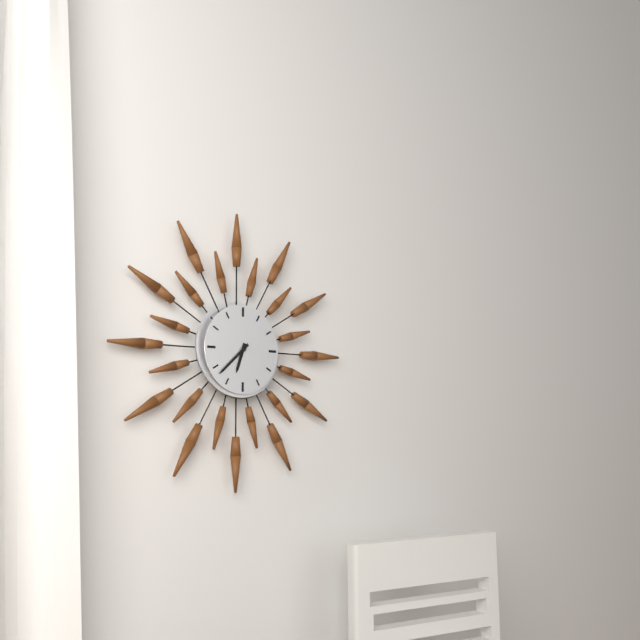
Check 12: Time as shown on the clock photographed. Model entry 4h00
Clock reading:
6h38
